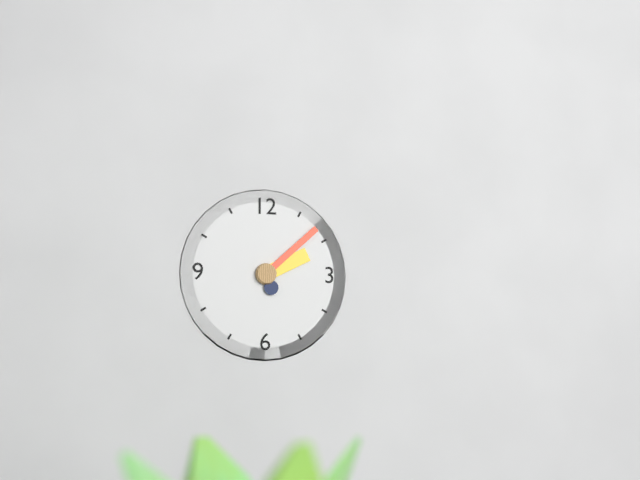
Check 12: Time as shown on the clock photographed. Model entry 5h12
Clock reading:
2h08
